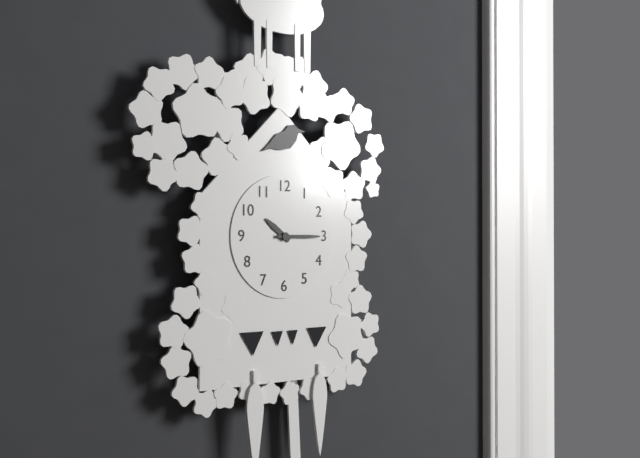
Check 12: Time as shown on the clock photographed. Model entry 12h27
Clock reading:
10h15
